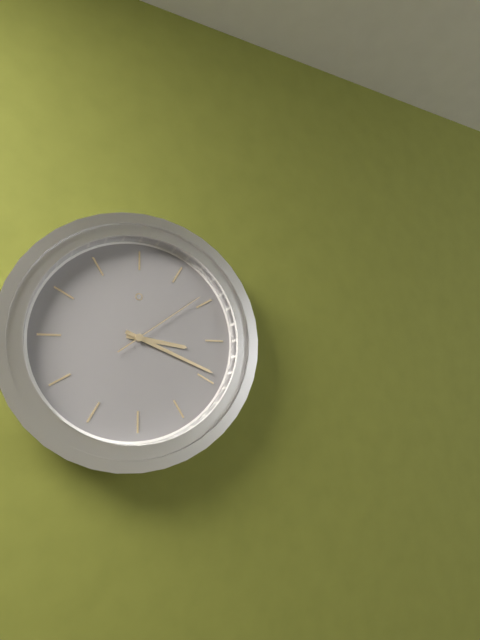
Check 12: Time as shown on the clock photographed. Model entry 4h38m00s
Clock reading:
3h19m09s
